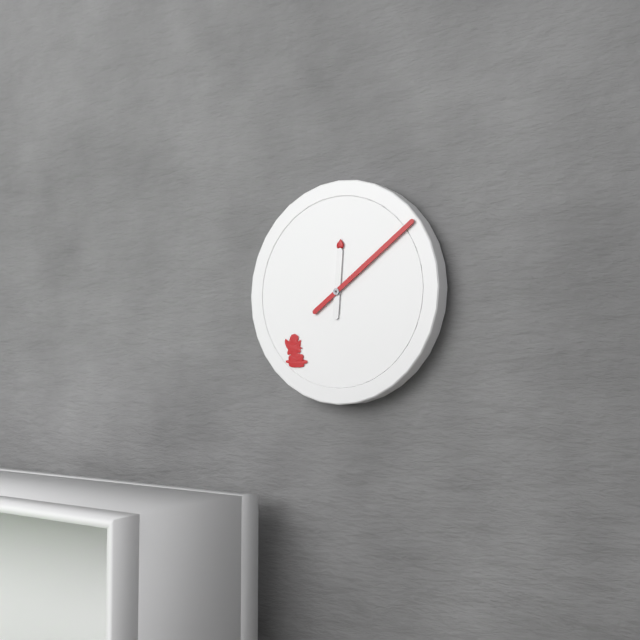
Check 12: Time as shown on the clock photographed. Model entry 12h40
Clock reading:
12h09
